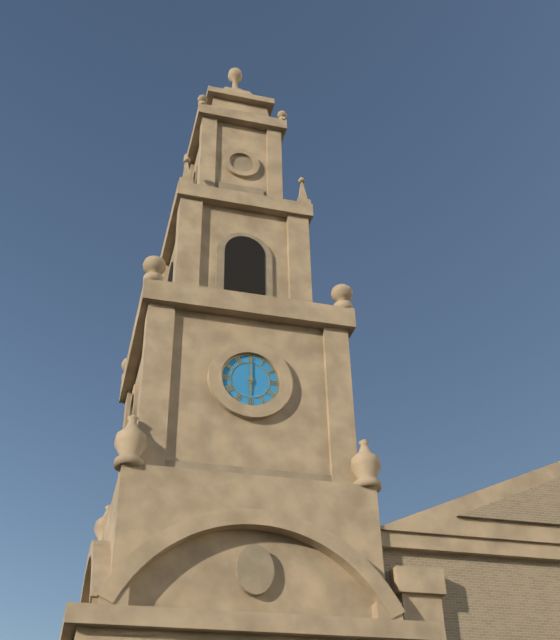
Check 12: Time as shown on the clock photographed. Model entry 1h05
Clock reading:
6h00
